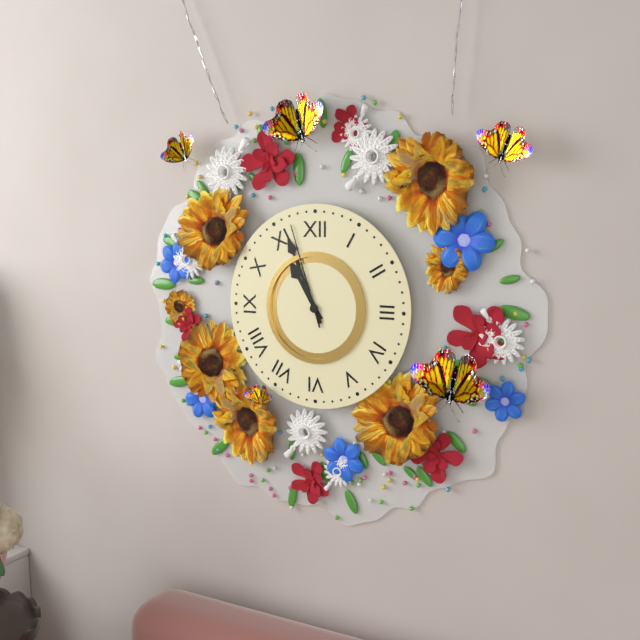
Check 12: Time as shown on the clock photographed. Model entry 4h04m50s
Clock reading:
10h56m57s
